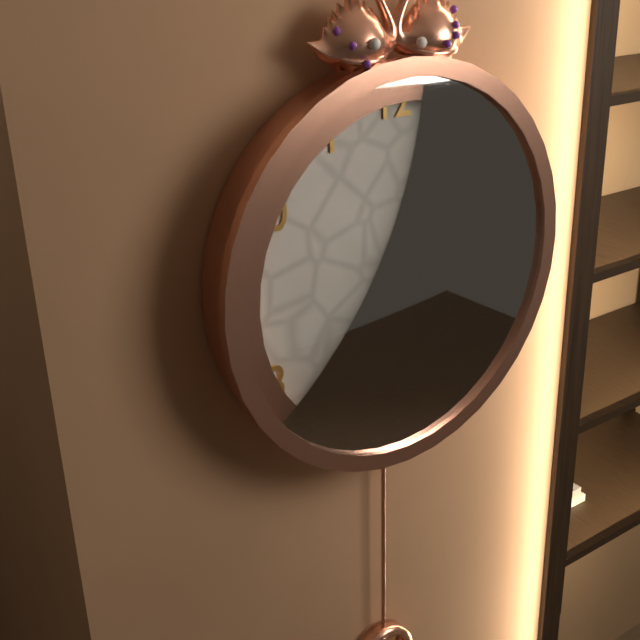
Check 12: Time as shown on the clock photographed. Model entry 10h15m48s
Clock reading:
2h26m29s
